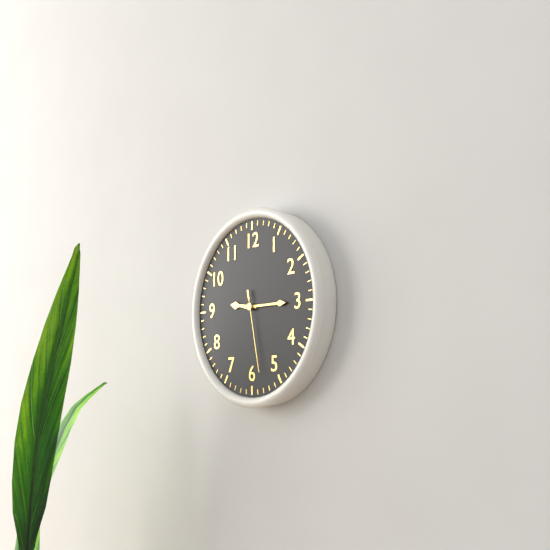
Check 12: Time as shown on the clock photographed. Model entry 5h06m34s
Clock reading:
9h15m28s
